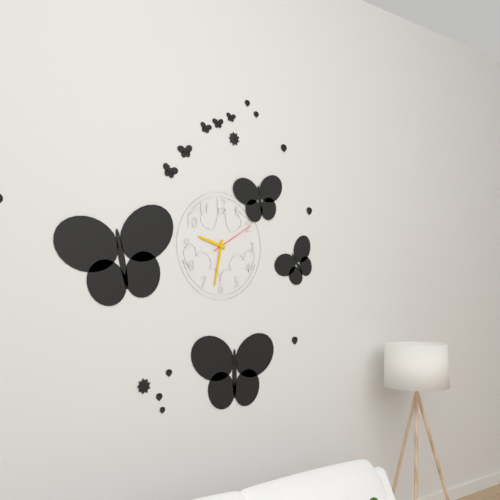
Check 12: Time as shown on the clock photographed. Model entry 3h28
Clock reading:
9h32
